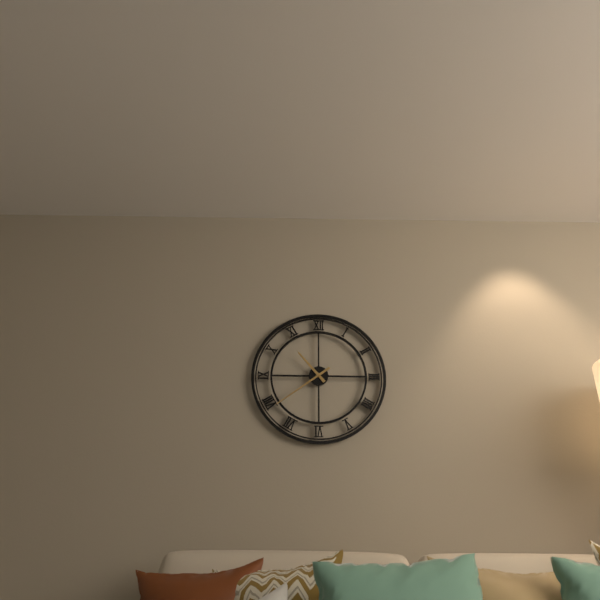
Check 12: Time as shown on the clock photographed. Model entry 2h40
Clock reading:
10h39
